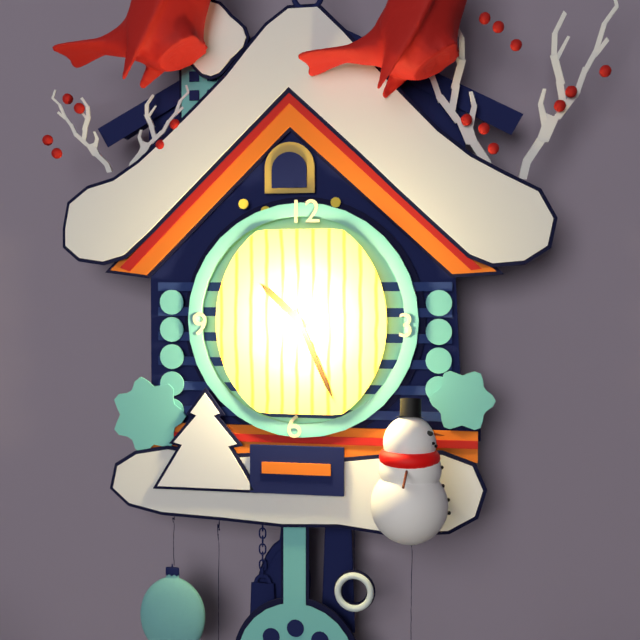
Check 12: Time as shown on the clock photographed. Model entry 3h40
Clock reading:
10h26
